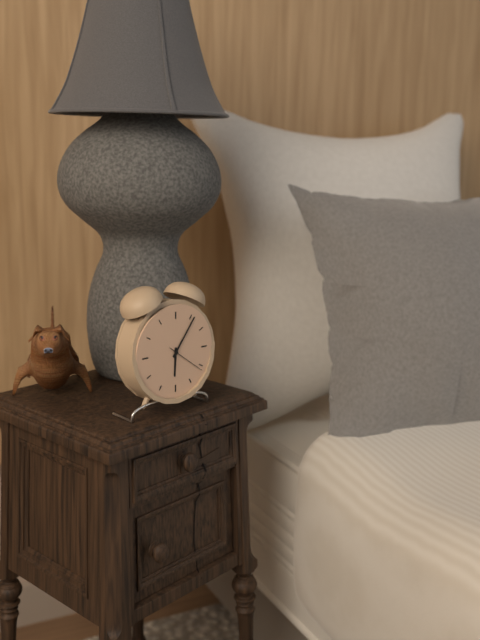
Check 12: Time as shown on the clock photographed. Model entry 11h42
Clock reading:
6h06
